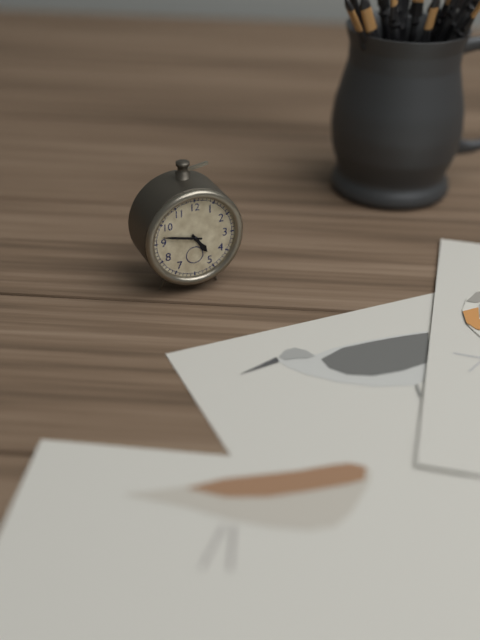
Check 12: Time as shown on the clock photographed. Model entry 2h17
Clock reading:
4h47
